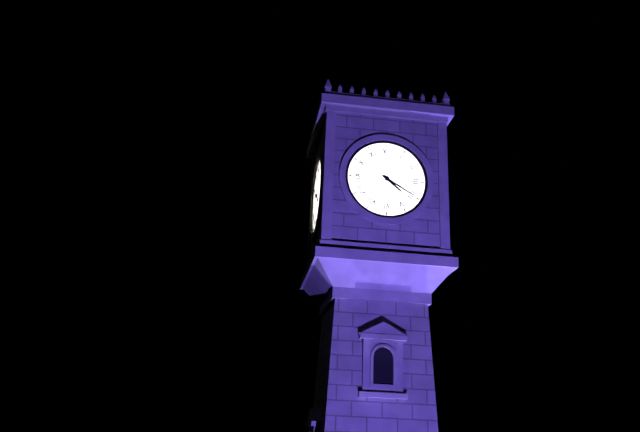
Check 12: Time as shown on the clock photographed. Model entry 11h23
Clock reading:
4h20
